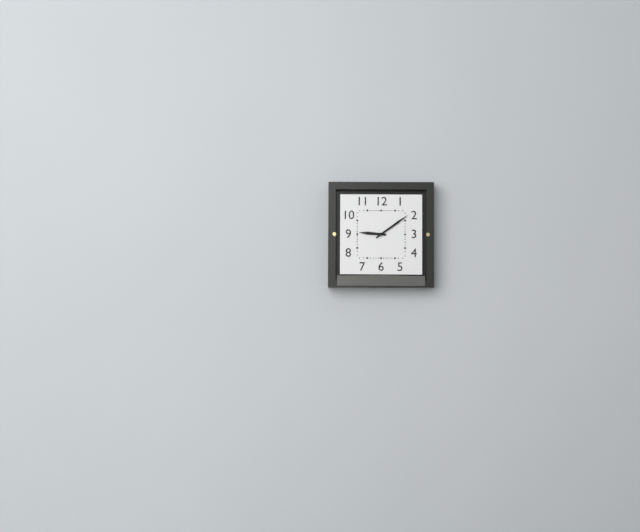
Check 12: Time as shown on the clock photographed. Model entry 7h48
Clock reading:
9h09
